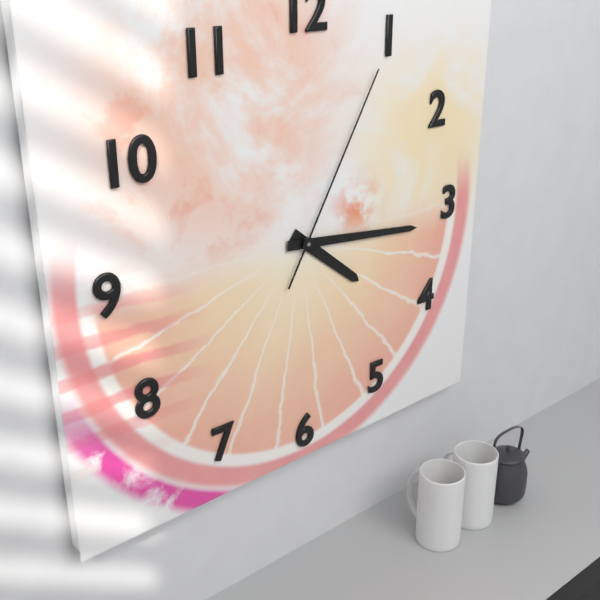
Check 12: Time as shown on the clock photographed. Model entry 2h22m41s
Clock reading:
4h16m05s
